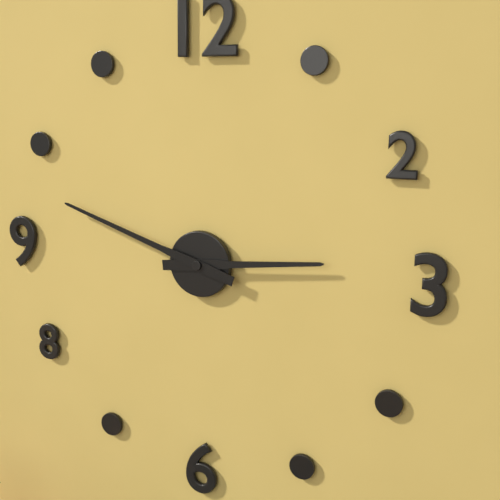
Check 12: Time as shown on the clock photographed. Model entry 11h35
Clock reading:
2h48
